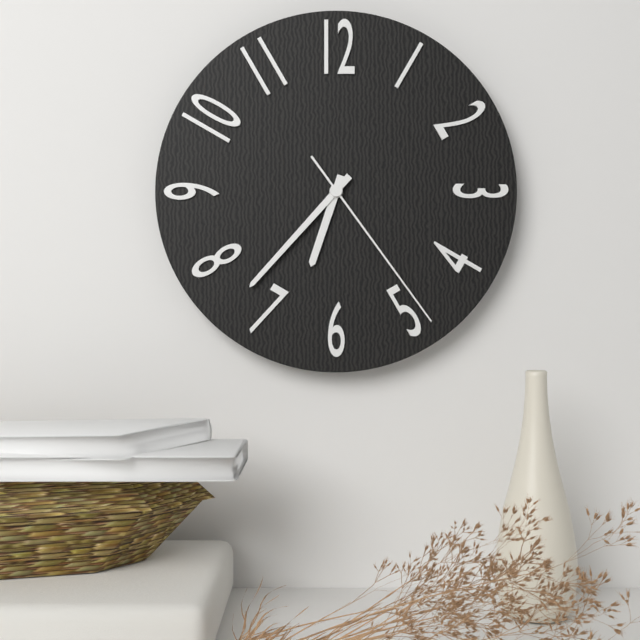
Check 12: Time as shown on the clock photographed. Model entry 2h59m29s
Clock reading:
6h37m24s
